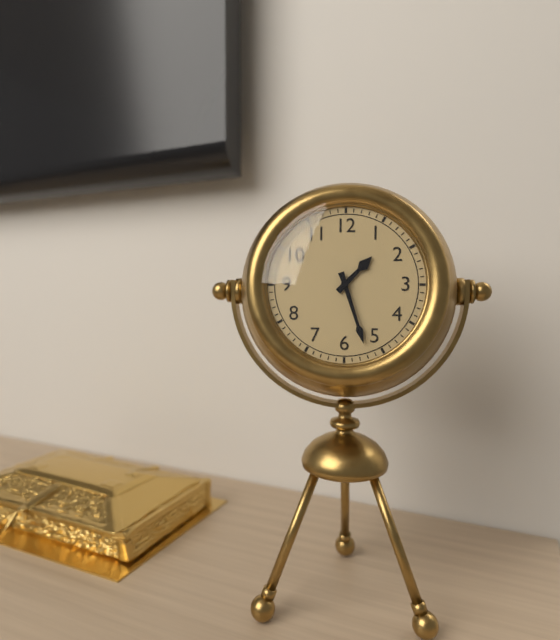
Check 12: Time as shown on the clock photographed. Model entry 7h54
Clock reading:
1h27
